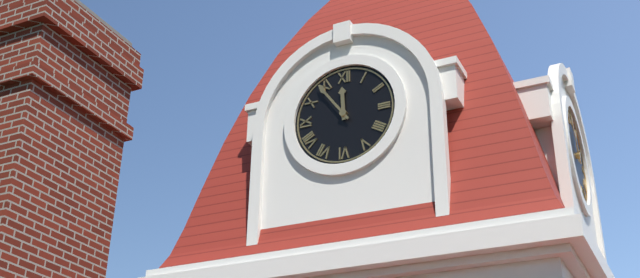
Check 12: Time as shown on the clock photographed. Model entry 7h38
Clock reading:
11h54
